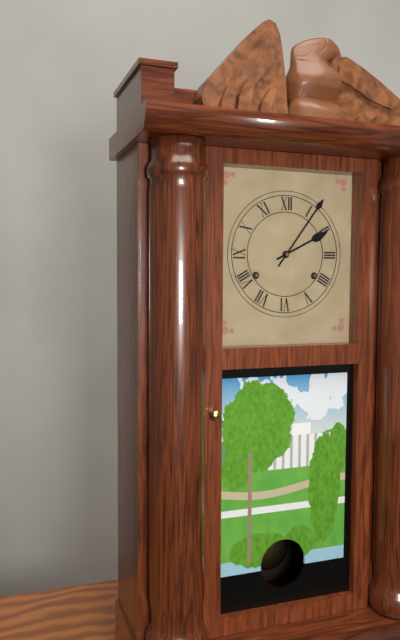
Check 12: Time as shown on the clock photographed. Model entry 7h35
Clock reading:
2h06
